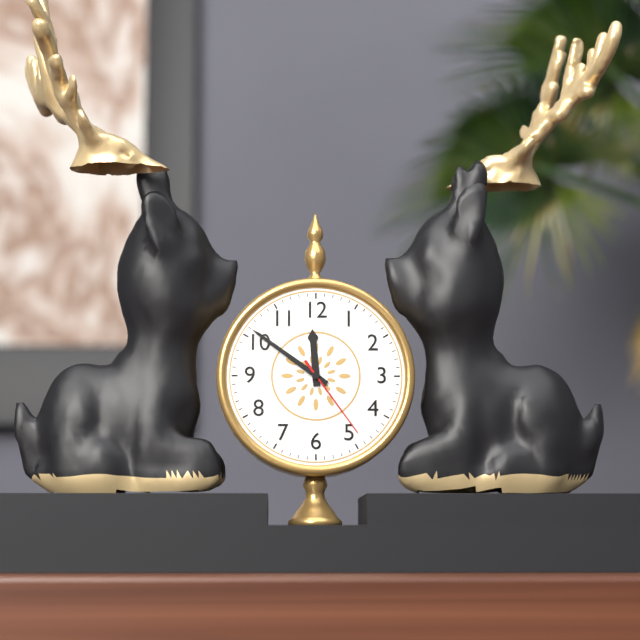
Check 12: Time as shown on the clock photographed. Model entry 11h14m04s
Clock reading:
11h51m24s
